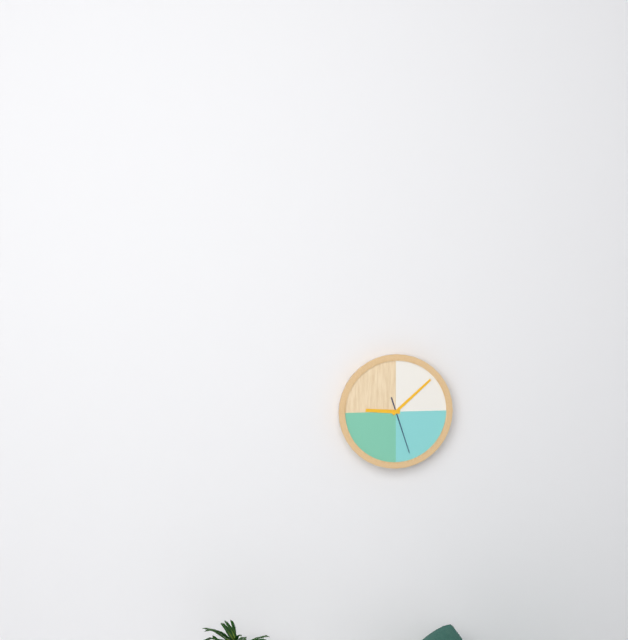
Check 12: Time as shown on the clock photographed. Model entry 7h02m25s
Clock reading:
9h08m27s
